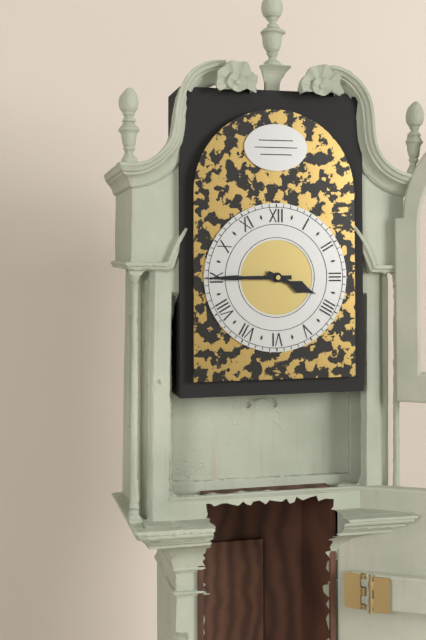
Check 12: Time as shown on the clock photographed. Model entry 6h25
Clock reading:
3h45
